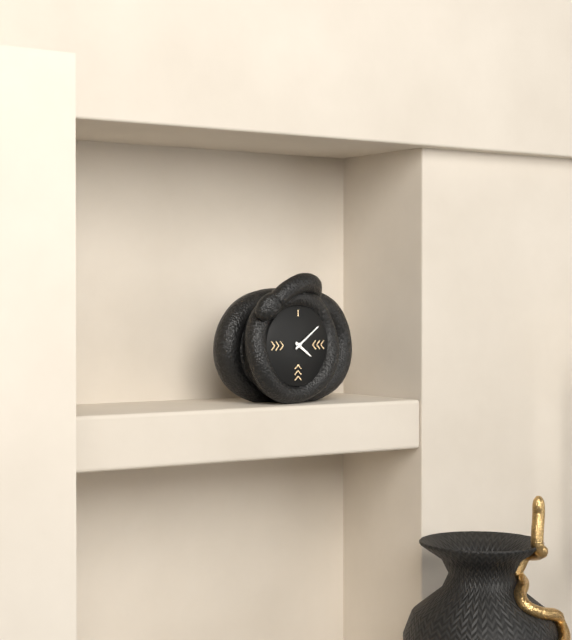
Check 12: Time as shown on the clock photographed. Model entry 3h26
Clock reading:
4h09
